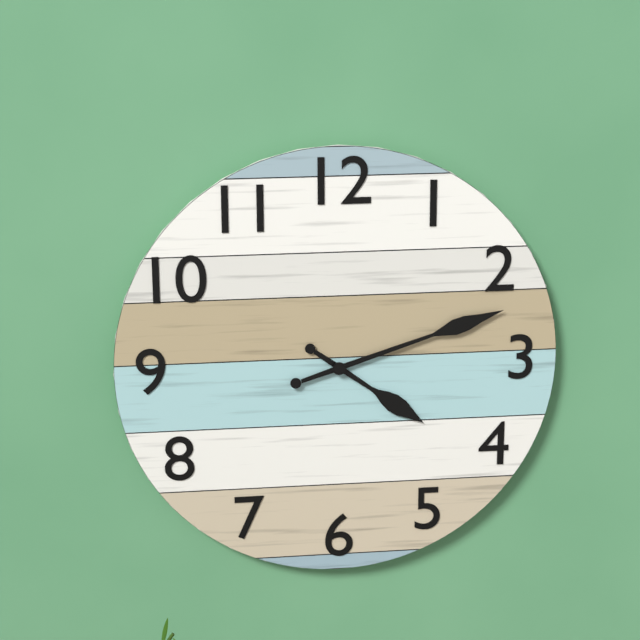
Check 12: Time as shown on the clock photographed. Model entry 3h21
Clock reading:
4h12
